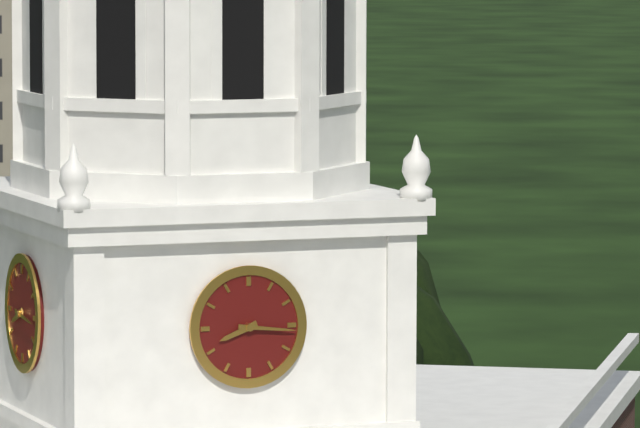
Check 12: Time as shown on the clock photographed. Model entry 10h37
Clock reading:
8h16
